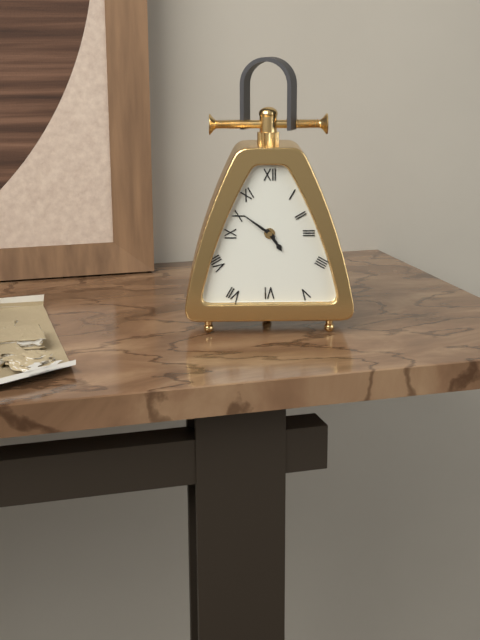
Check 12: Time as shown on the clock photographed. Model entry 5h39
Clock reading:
4h51
